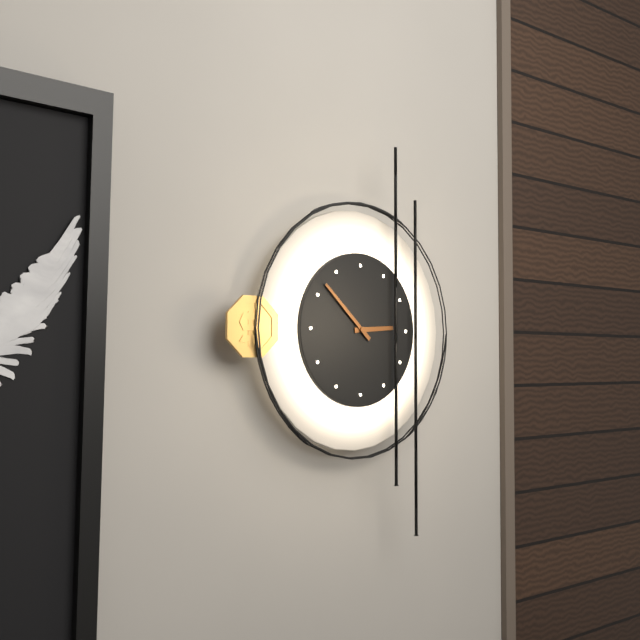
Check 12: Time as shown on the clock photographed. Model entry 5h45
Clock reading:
2h52
